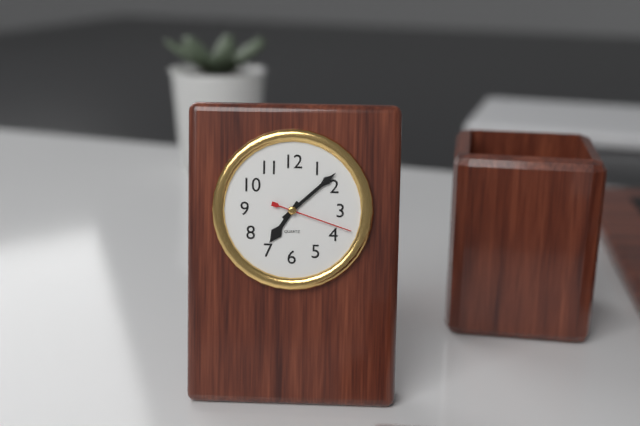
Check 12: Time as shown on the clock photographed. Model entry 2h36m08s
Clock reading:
7h08m18s
